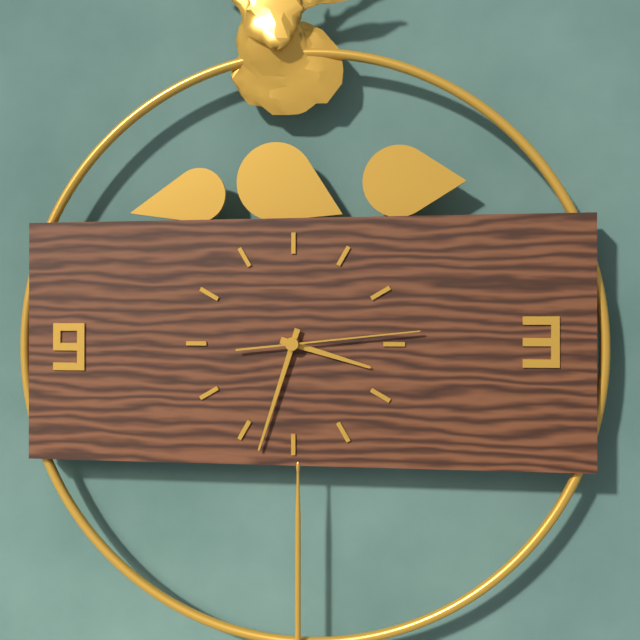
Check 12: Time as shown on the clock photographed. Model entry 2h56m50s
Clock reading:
3h33m14s
